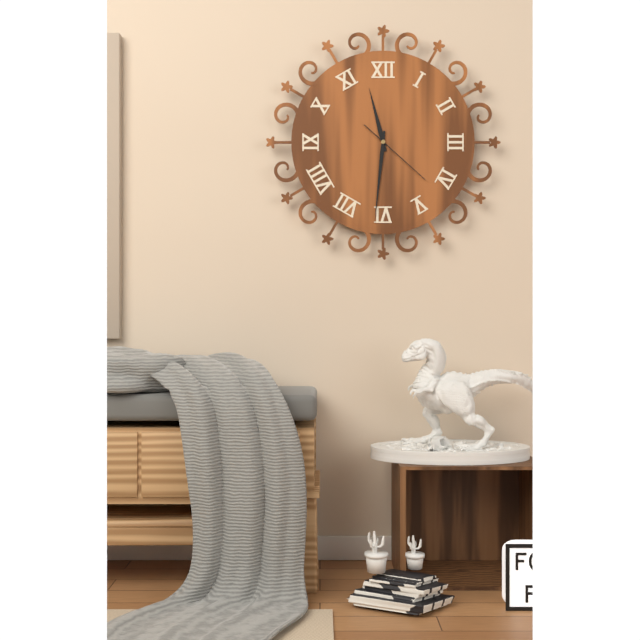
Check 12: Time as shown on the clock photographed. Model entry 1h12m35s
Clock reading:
11h31m22s
